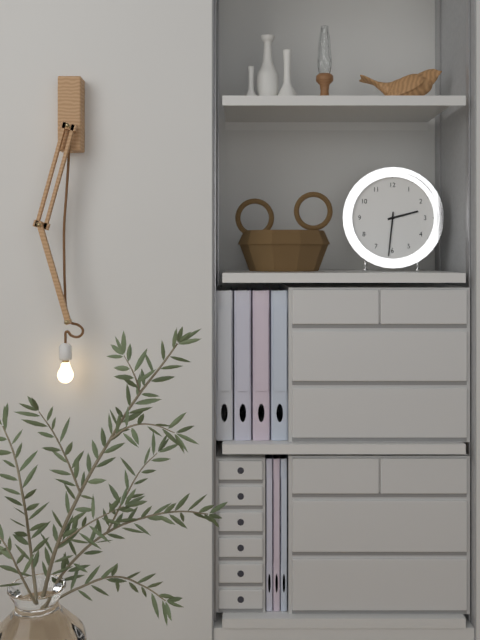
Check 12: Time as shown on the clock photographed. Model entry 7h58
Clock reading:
2h31
